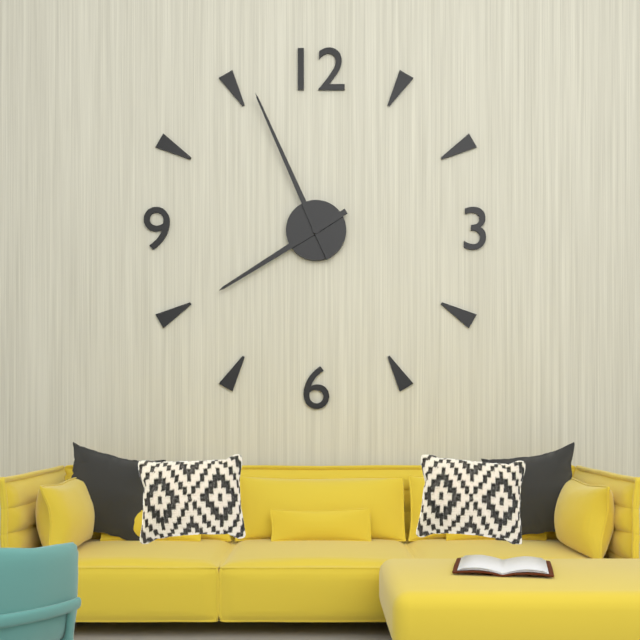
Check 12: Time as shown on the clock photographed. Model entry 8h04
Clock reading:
7h56
